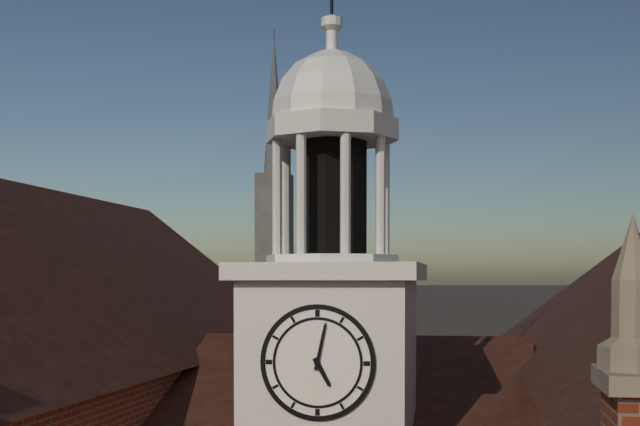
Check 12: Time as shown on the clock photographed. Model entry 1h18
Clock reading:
5h02
